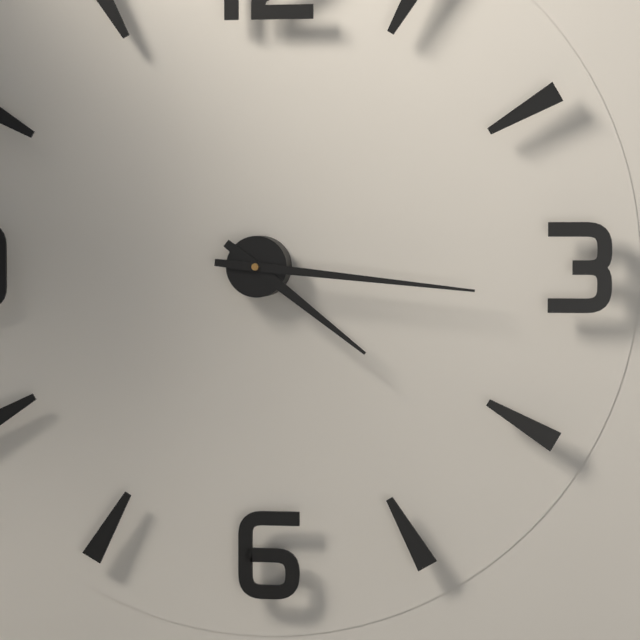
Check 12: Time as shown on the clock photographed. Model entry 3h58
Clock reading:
4h16
